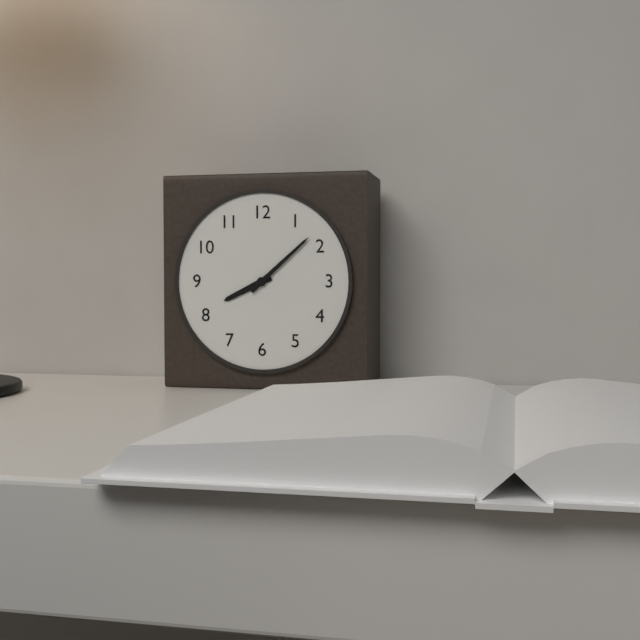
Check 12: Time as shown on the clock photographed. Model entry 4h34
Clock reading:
8h08
